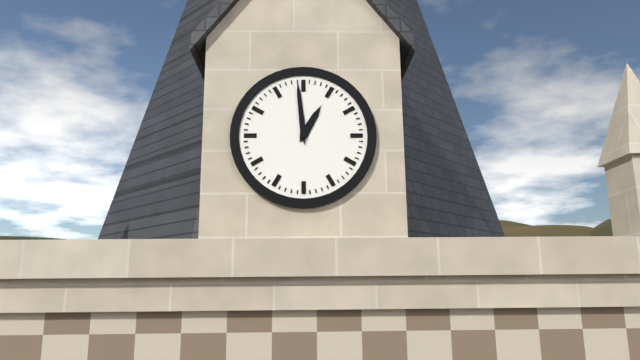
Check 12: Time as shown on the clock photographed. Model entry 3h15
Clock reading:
12h59
